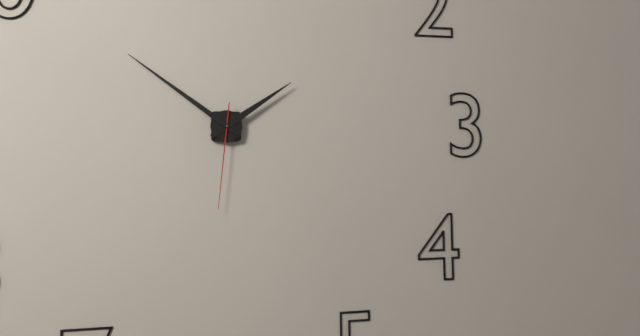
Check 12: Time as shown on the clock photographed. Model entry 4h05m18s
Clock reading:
1h51m31s
